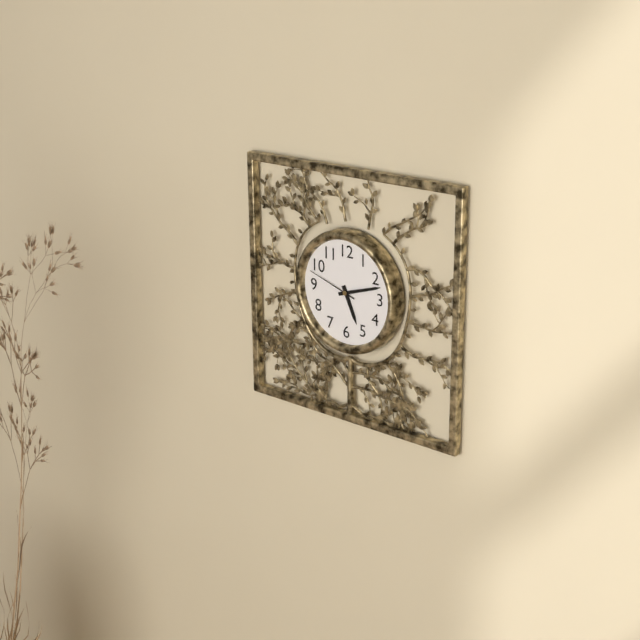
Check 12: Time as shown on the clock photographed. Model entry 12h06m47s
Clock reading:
5h12m48s
